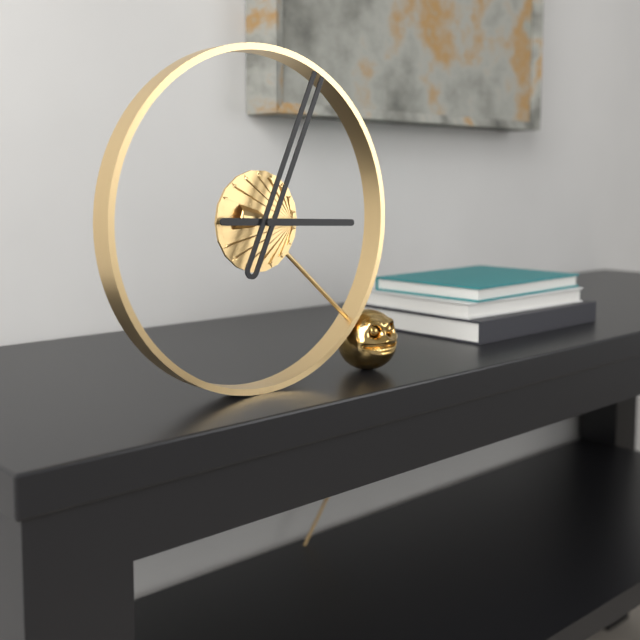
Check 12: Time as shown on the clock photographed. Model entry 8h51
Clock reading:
3h04
